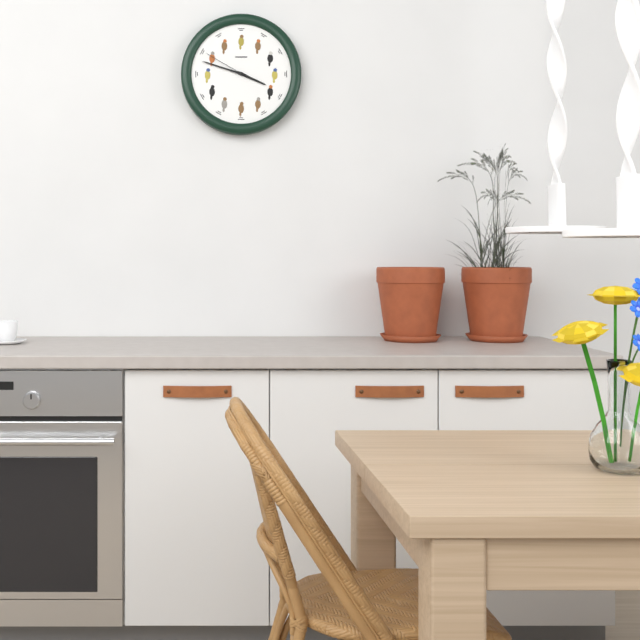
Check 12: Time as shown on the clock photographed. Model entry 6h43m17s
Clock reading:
3h48m50s
